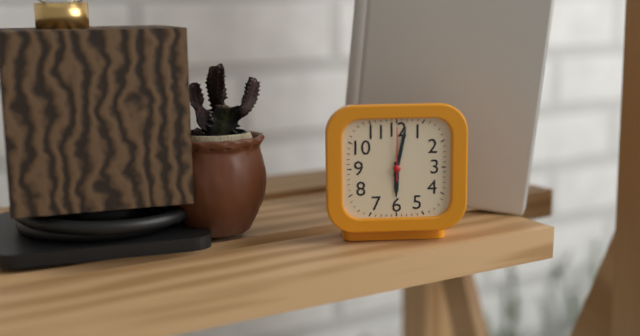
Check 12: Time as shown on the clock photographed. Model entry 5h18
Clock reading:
6h02
